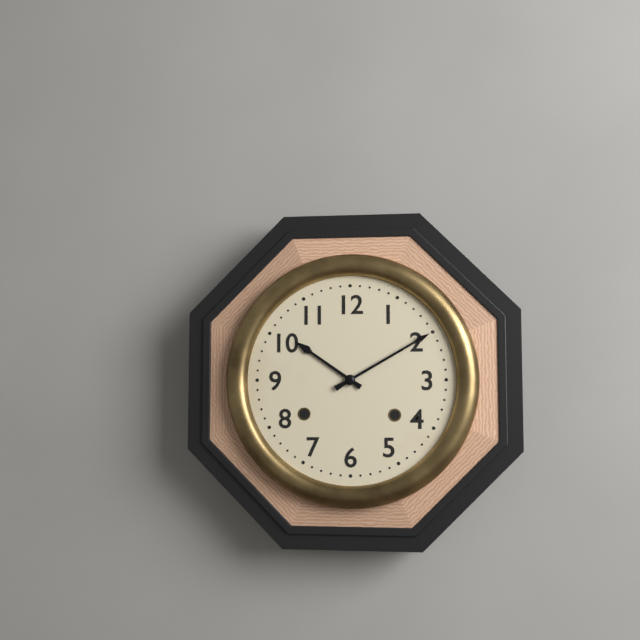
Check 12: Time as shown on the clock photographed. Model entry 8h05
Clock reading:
10h10
